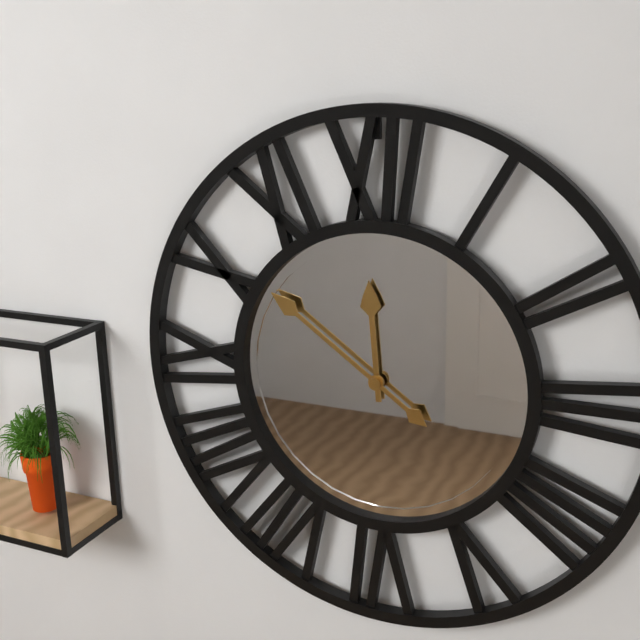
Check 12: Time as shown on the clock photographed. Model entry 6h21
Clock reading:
11h51
